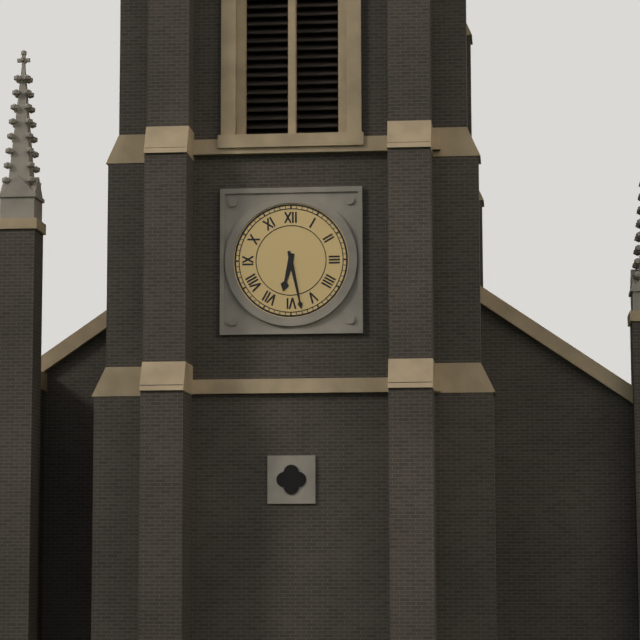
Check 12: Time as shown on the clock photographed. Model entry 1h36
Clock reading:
6h28
